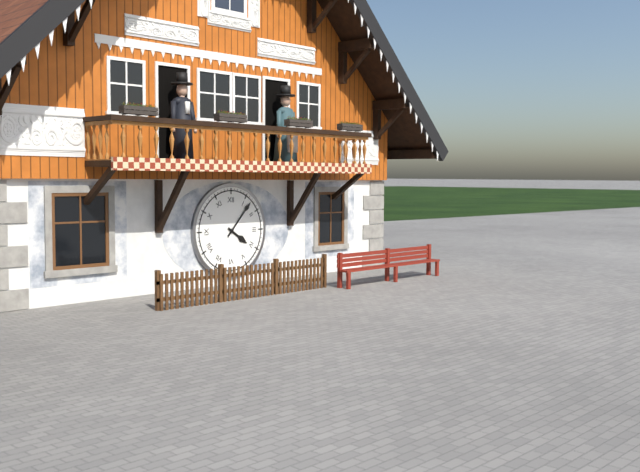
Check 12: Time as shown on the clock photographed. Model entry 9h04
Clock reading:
4h07
